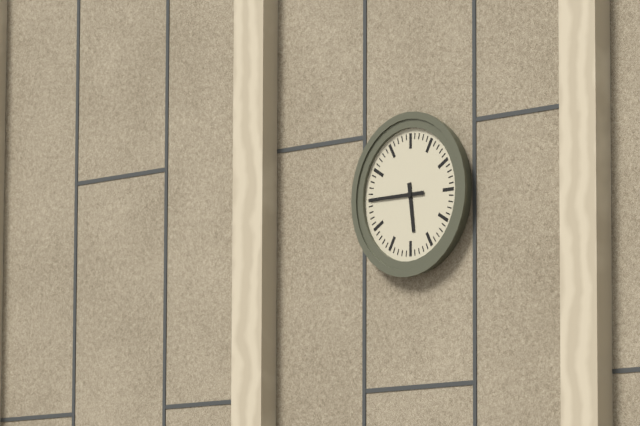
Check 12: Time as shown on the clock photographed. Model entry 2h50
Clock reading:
5h45
